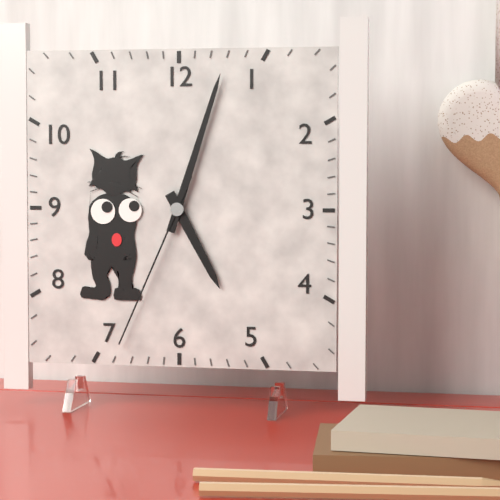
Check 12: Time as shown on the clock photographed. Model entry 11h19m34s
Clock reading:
5h03m34s
